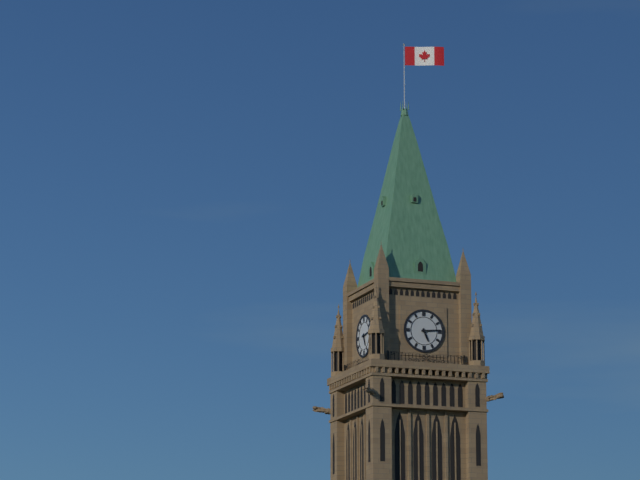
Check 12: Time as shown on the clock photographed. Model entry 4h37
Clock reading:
5h14
